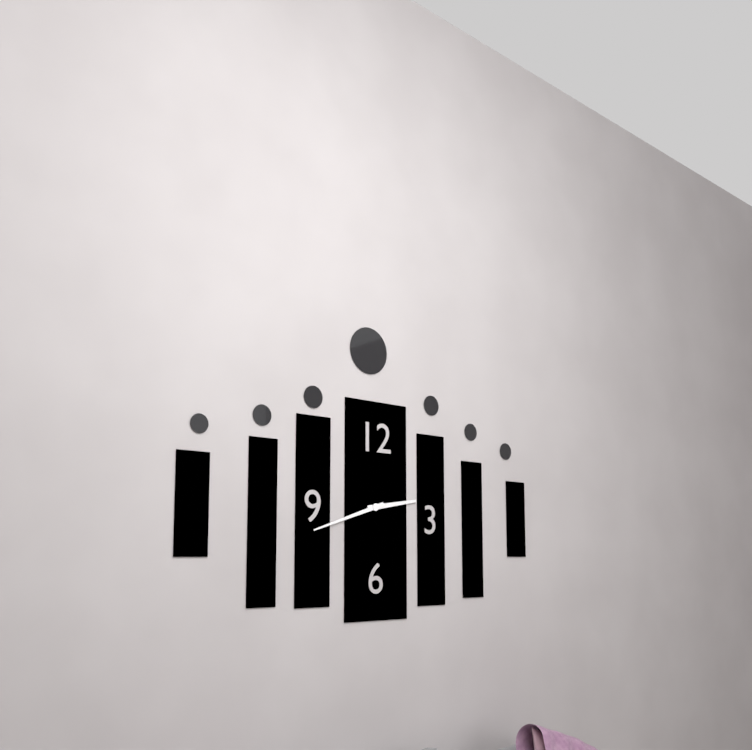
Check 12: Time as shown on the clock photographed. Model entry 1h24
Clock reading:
2h42
